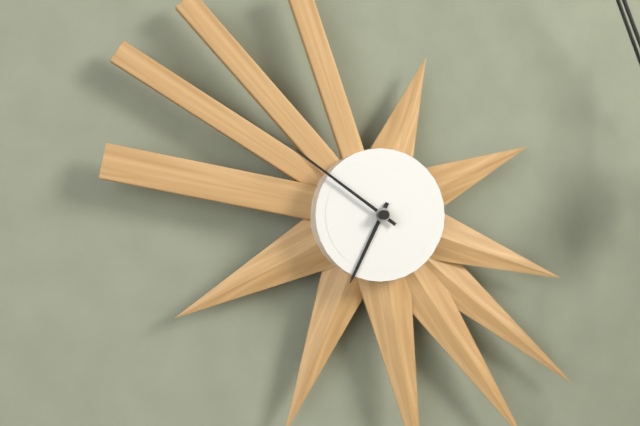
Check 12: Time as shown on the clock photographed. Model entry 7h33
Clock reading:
6h51
